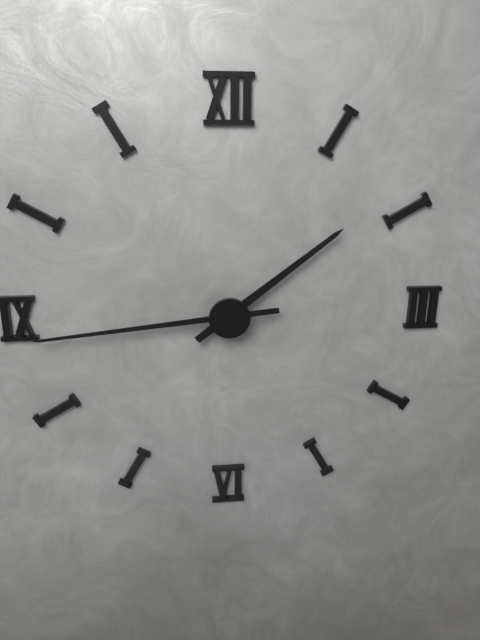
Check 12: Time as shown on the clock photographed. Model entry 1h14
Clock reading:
1h44
